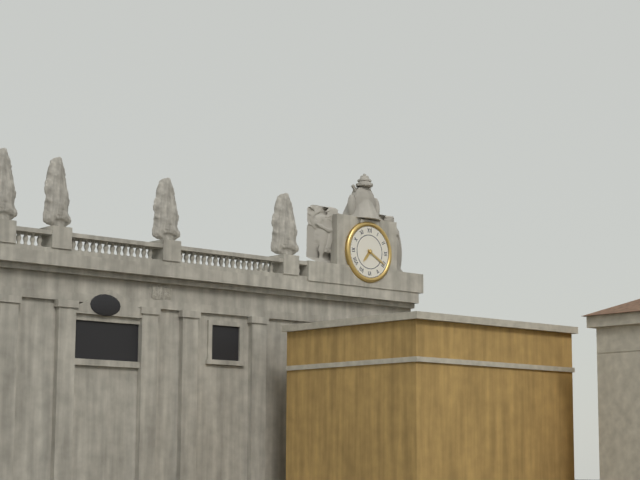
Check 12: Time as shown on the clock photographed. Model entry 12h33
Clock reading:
7h20
